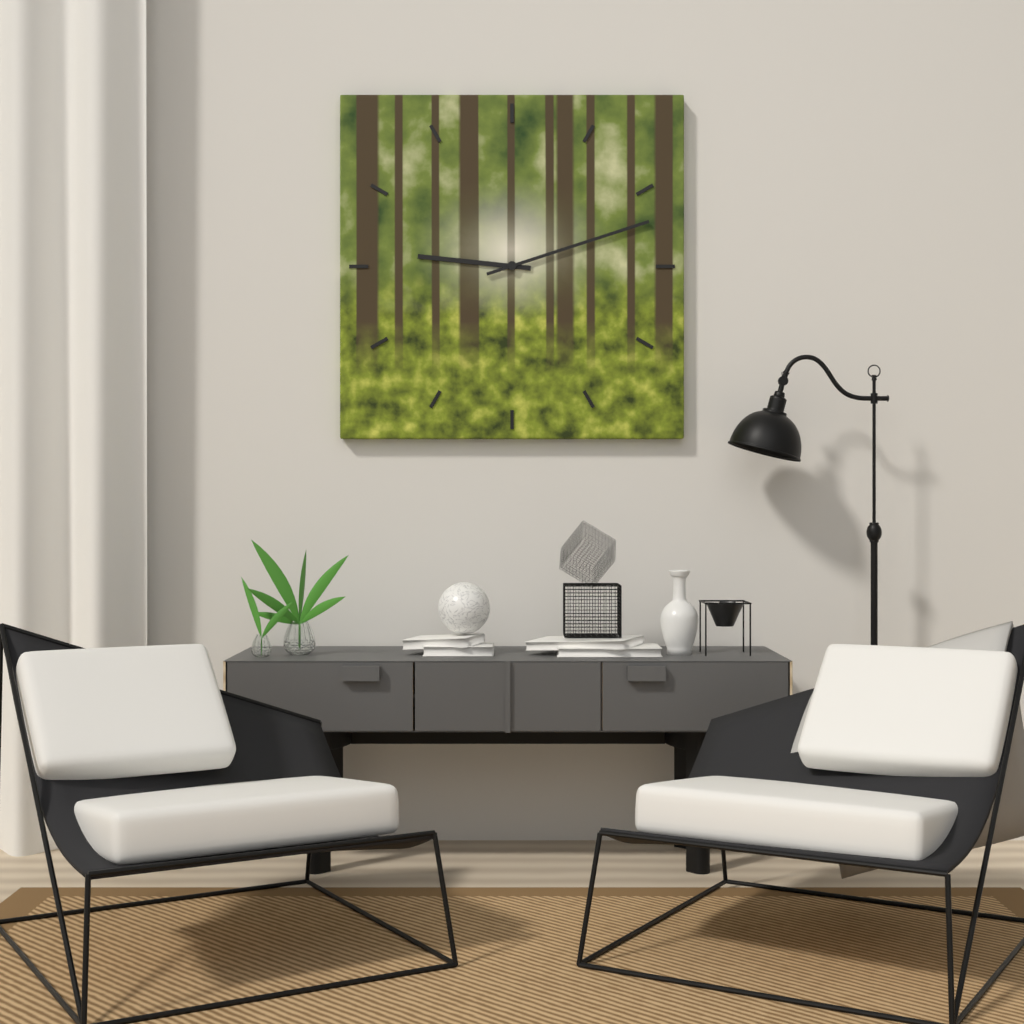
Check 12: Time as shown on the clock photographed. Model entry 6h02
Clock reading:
9h12
